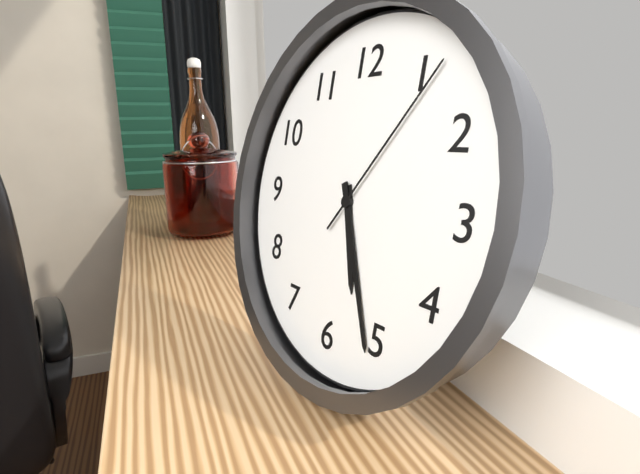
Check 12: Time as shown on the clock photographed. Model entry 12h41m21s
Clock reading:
5h26m06s
